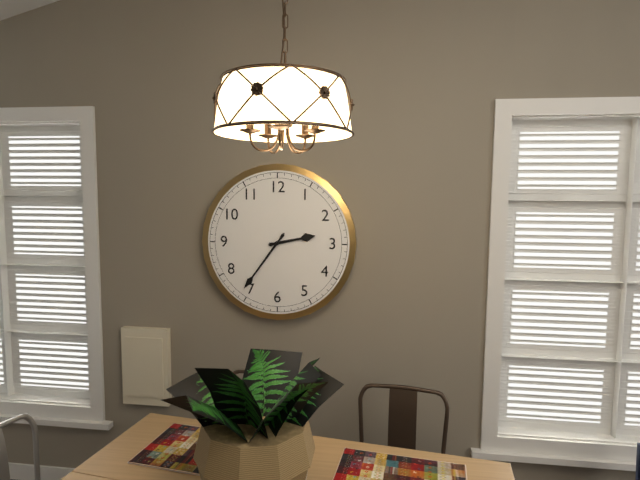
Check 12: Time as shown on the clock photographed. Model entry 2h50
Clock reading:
2h36
